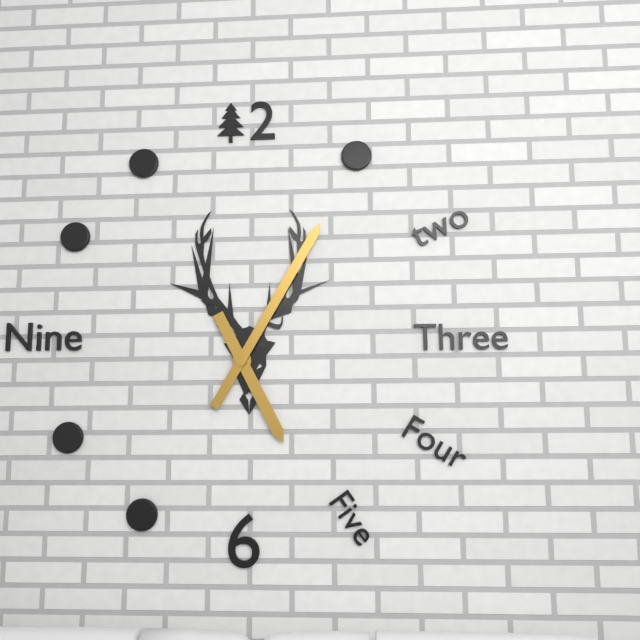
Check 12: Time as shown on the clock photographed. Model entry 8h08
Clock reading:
5h05
